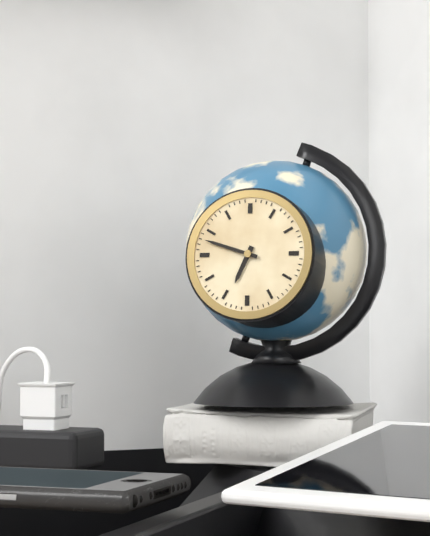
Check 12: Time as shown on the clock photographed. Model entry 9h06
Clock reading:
6h48
